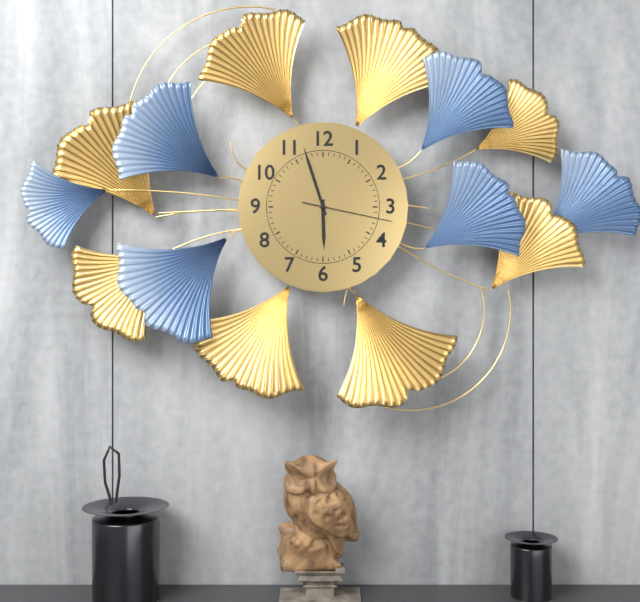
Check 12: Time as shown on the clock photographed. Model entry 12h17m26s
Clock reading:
5h57m17s
